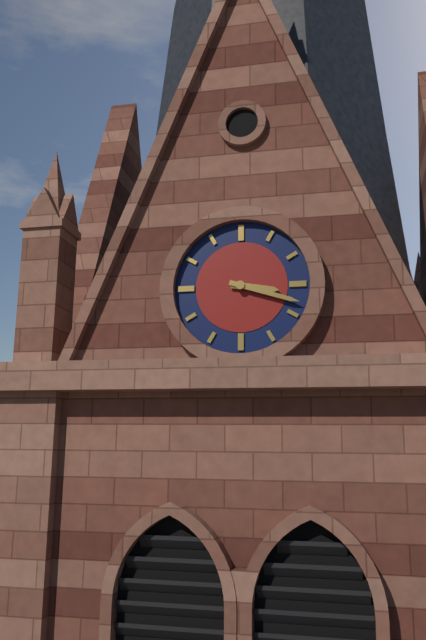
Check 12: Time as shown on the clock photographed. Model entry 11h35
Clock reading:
3h18
